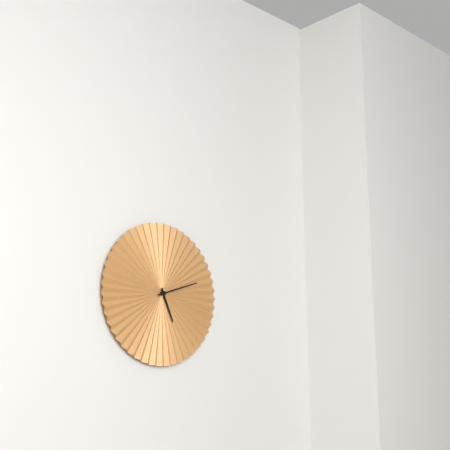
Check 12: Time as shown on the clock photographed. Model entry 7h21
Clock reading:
5h12
